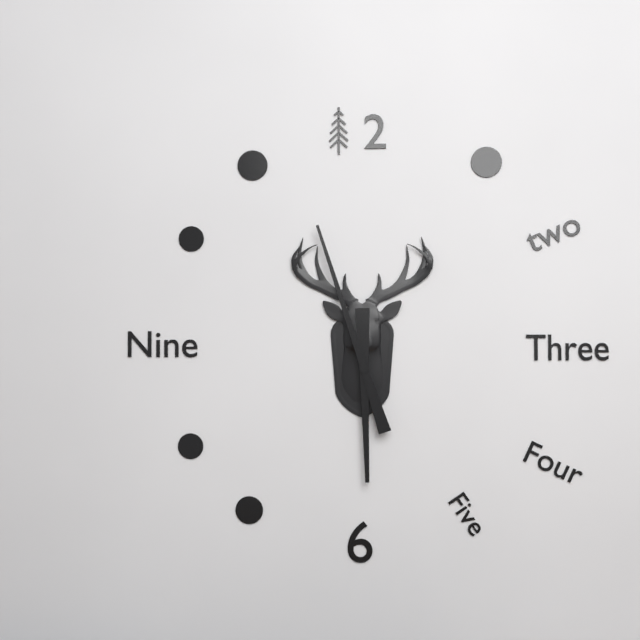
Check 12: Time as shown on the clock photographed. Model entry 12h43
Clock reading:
5h57
